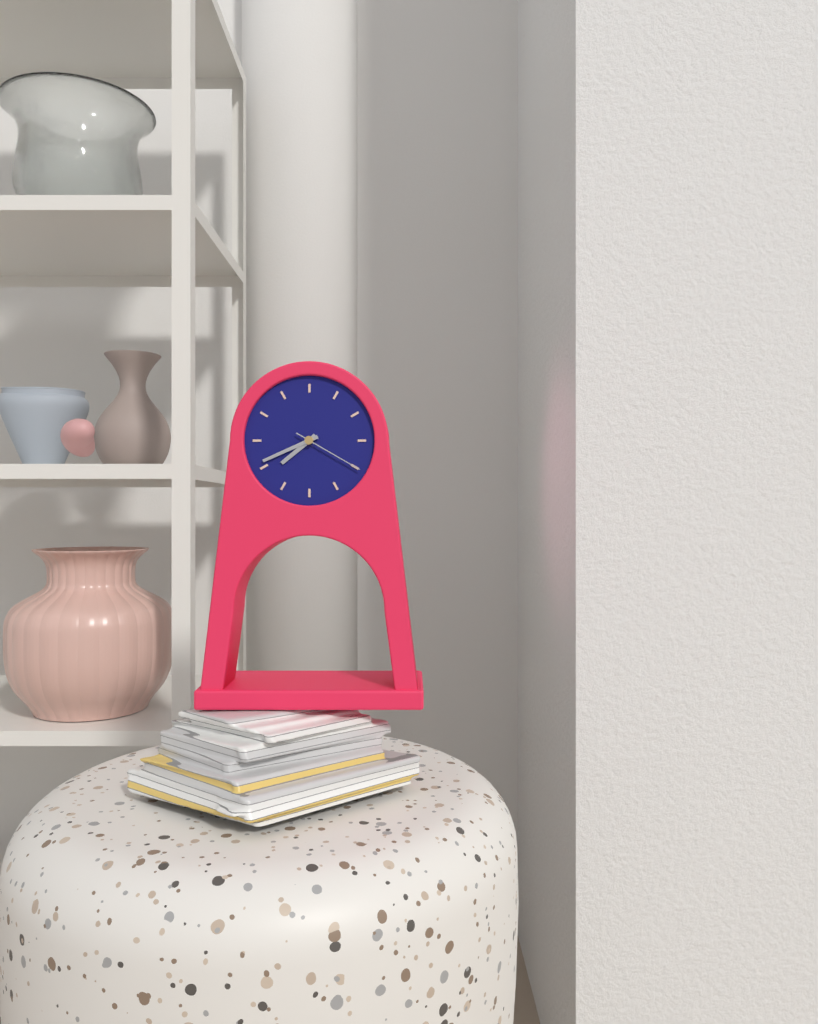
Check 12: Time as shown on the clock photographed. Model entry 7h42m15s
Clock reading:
7h41m20s
